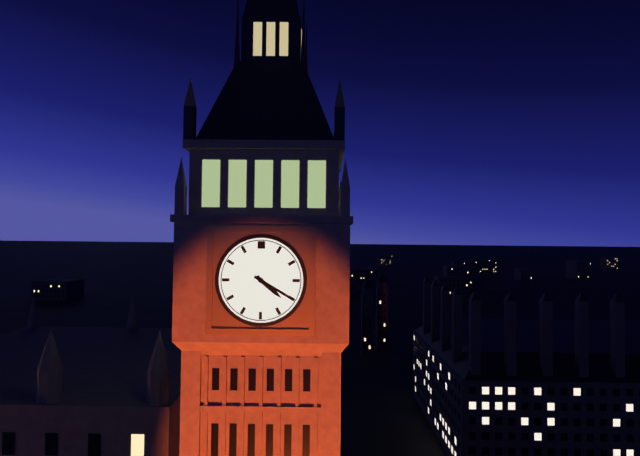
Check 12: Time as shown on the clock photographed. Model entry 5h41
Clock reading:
4h20
